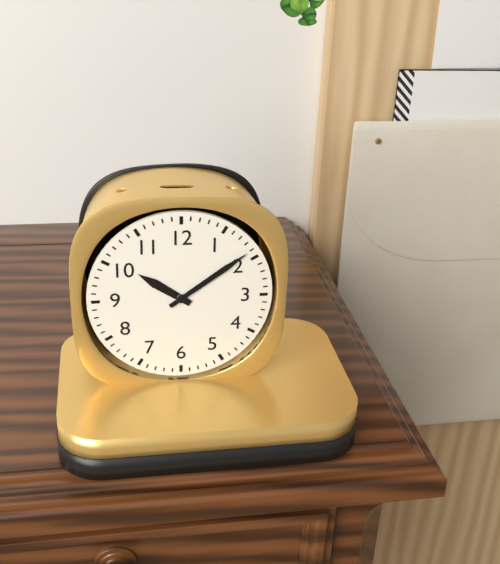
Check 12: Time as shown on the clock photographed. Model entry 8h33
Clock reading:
10h09
